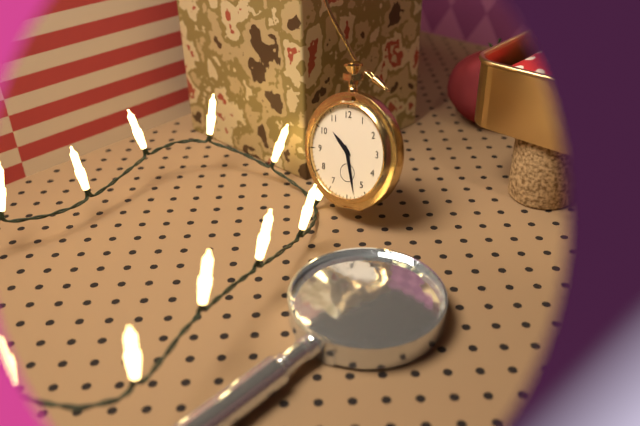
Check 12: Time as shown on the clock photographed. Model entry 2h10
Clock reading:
10h28
